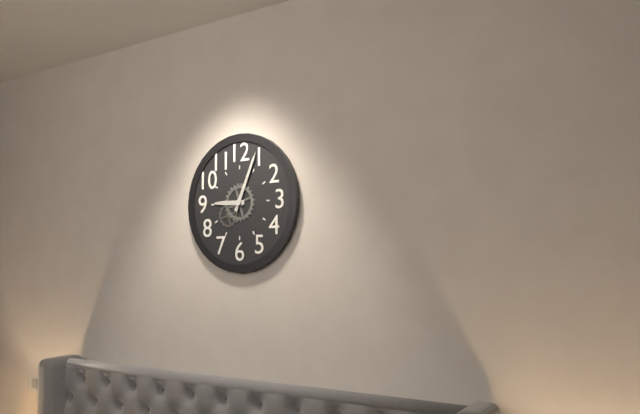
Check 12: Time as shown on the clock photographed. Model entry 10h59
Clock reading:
9h04
